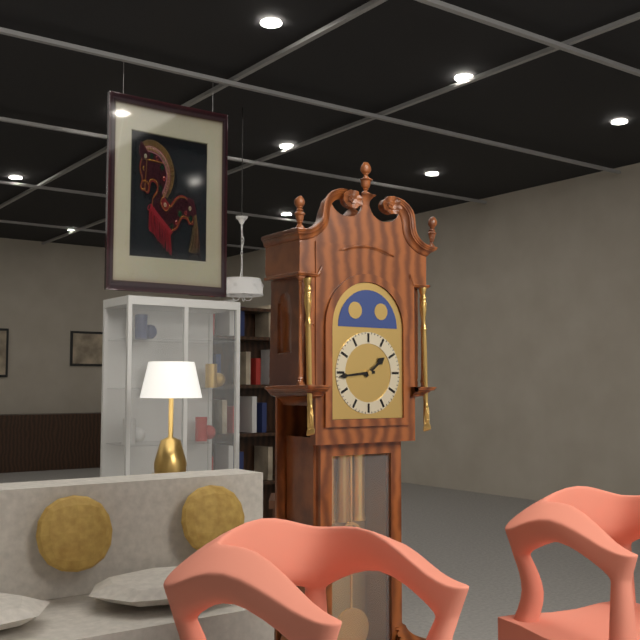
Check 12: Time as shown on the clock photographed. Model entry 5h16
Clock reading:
1h44
